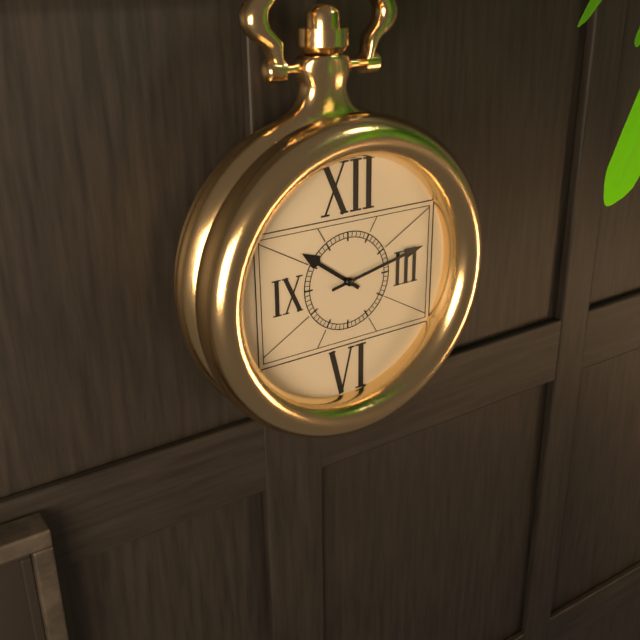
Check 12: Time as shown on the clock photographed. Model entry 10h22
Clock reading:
10h13
